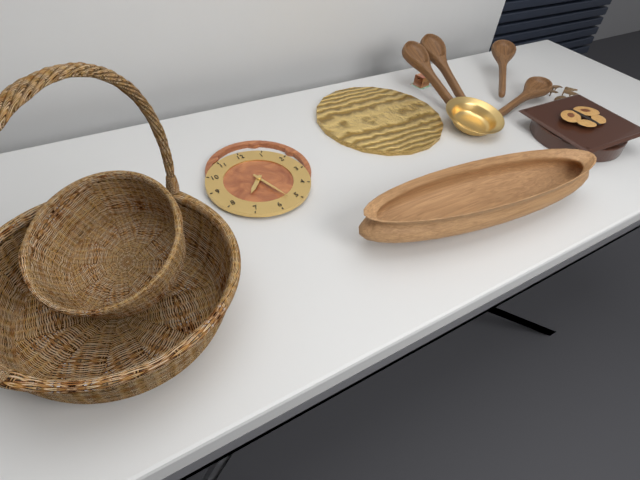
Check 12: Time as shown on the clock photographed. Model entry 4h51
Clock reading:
7h27
